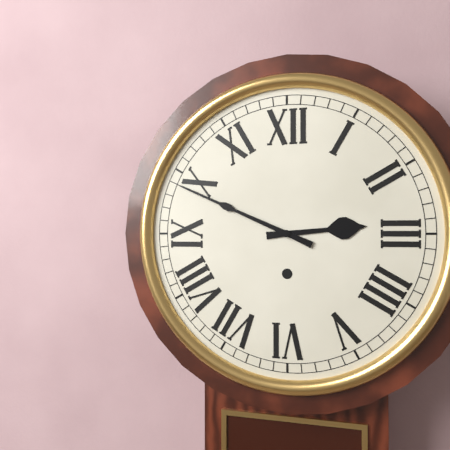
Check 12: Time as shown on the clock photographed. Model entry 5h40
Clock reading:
2h49
